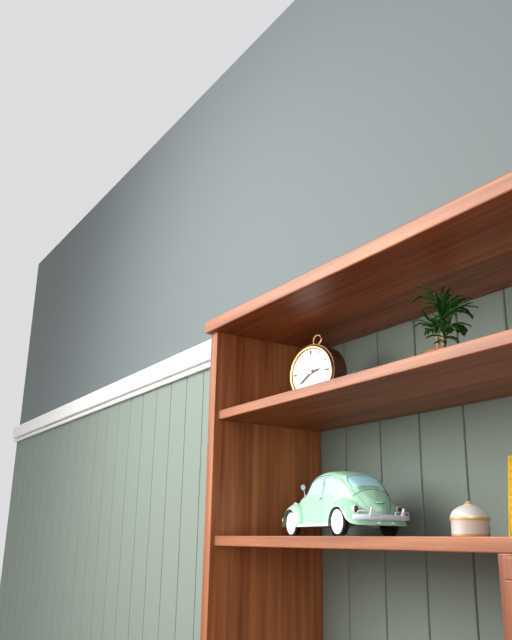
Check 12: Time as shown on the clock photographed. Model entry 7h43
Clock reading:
2h39
